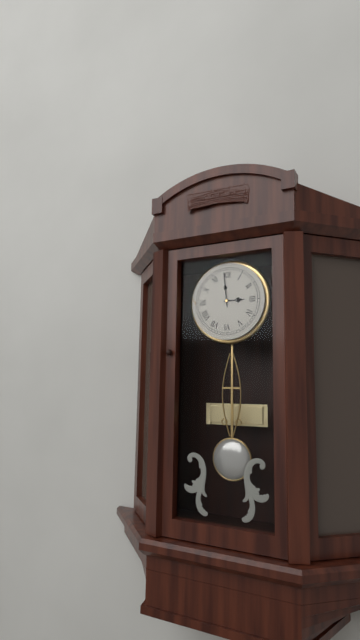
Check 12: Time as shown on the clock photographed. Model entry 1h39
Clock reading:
2h59
